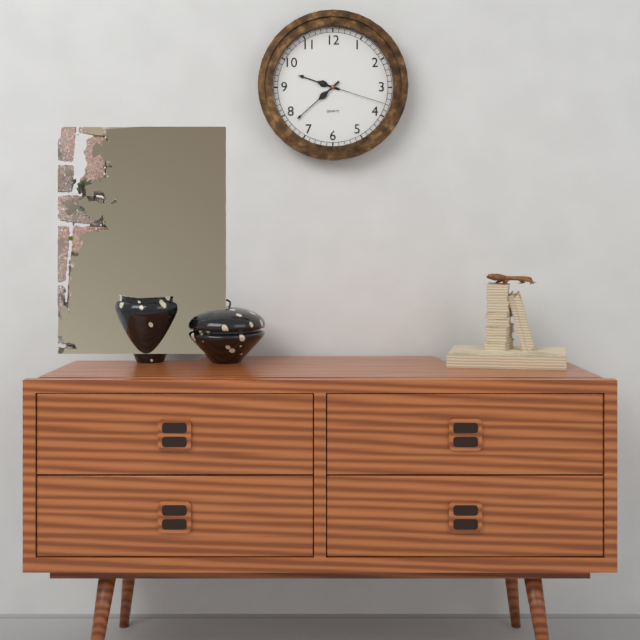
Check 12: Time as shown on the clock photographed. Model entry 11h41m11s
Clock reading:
9h38m18s
